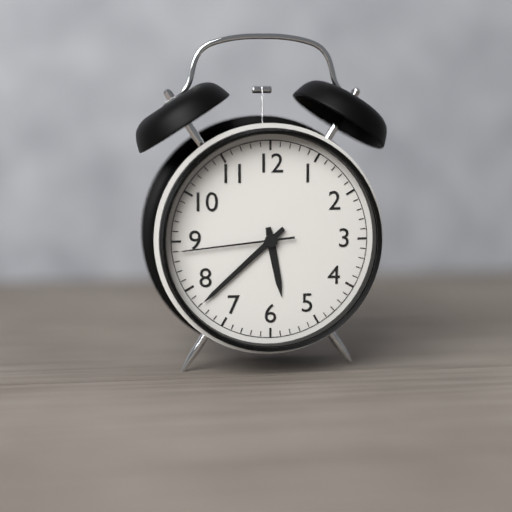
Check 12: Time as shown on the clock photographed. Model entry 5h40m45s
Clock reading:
5h38m44s
